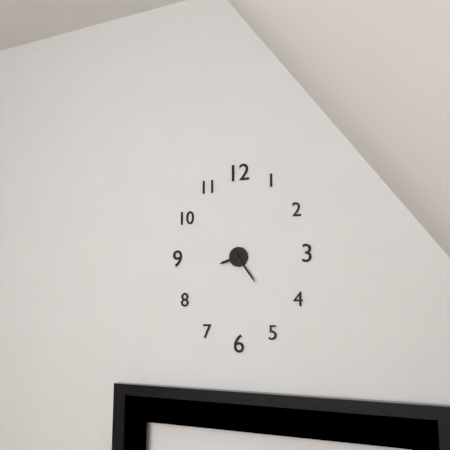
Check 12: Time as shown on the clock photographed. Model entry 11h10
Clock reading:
8h24
